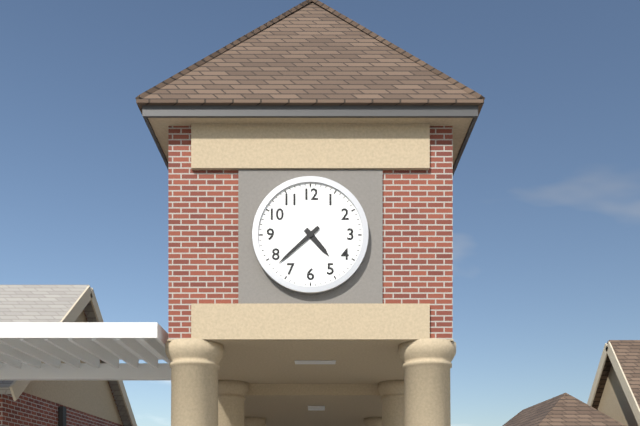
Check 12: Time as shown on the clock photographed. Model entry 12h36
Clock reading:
4h38
